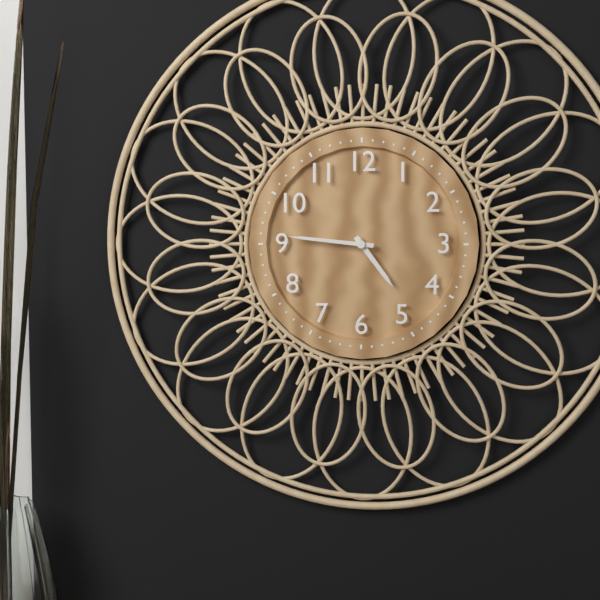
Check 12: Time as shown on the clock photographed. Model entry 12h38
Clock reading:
4h46
